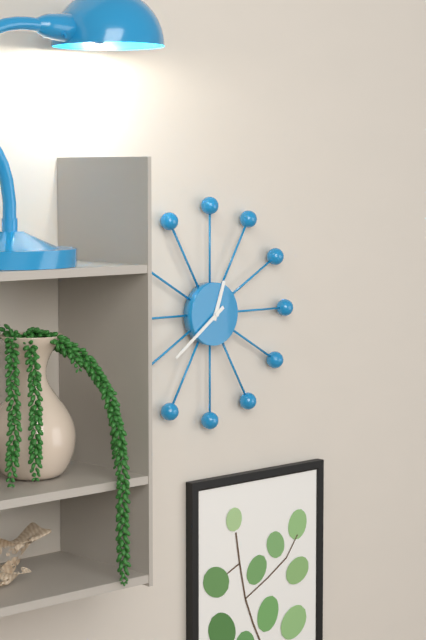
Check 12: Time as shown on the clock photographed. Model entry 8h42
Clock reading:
12h39
